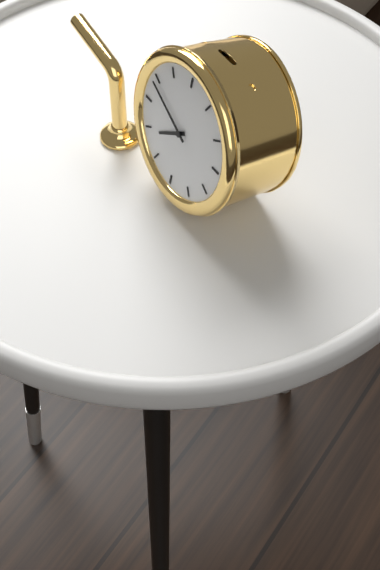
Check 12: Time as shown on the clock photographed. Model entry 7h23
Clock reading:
7h49
